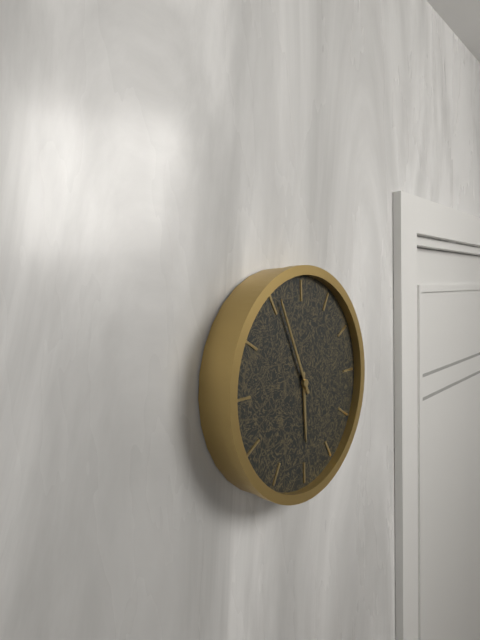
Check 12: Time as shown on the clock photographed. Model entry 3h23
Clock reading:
5h56
